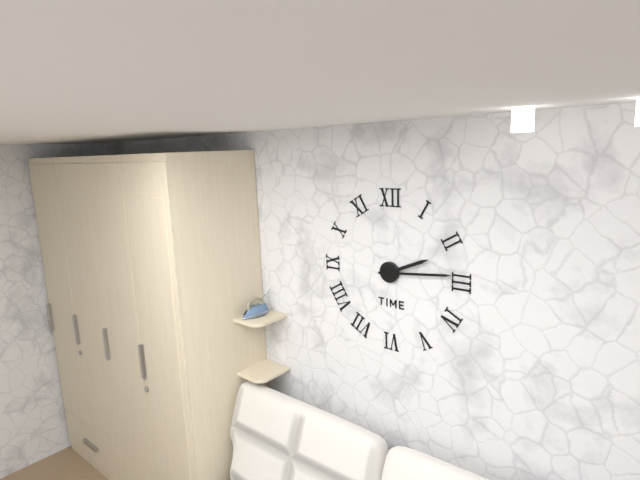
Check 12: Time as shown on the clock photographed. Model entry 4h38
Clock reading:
2h14
